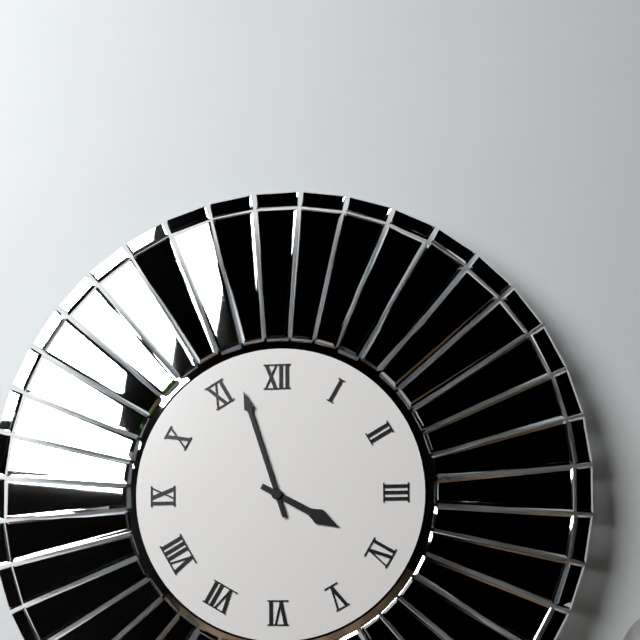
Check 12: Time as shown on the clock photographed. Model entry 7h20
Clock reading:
3h57
